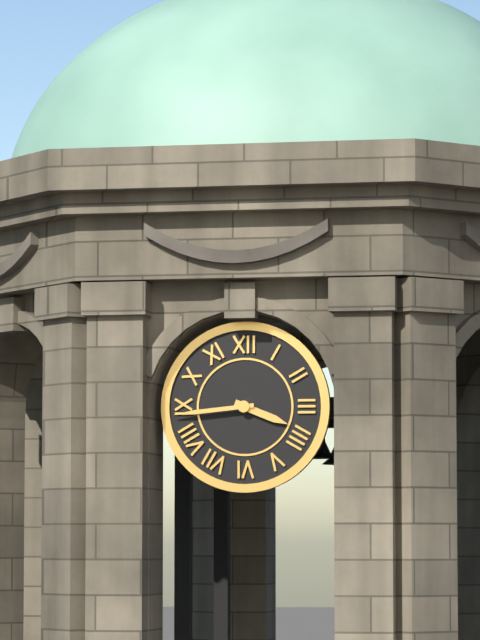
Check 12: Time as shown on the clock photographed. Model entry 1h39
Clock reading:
3h44
